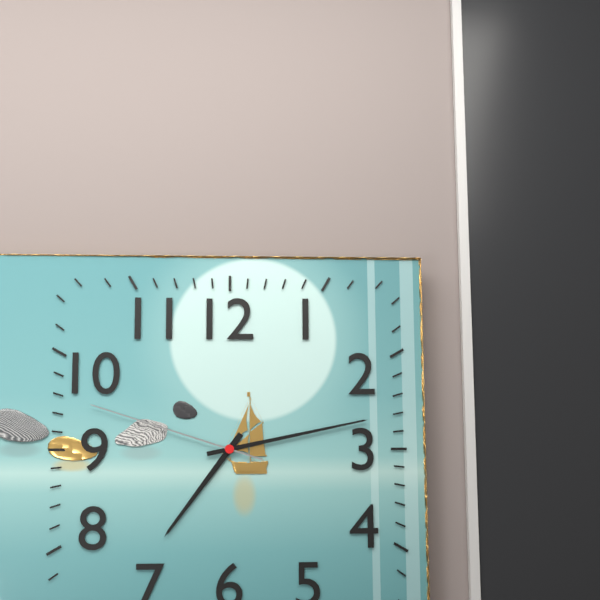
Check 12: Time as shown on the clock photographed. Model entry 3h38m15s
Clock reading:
7h13m48s
